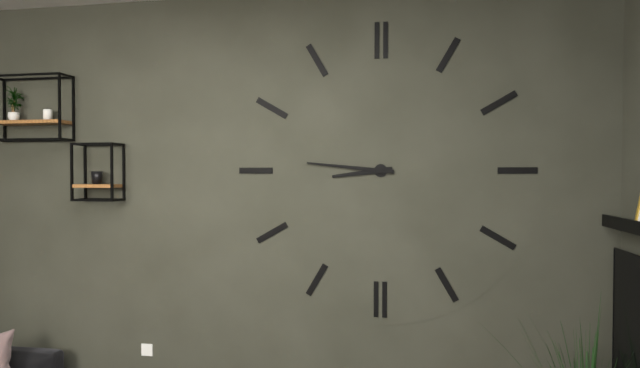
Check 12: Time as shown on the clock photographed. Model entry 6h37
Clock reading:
8h46
